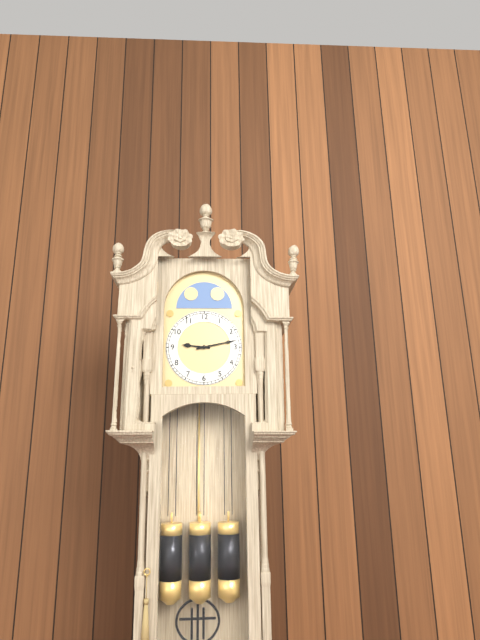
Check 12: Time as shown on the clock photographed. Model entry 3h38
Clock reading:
9h13
